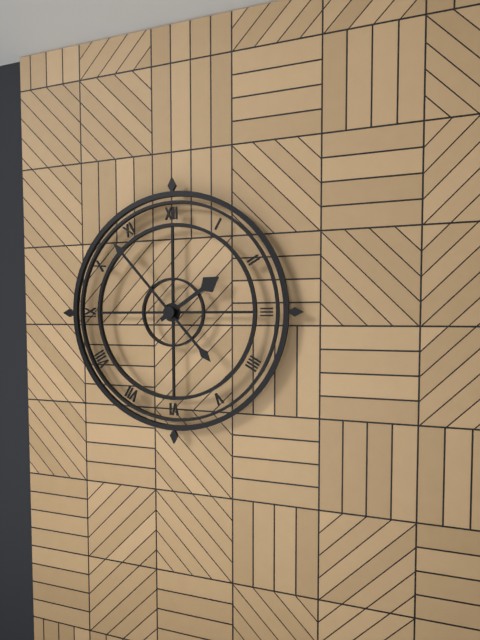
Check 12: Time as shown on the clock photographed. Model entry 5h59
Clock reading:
1h53
